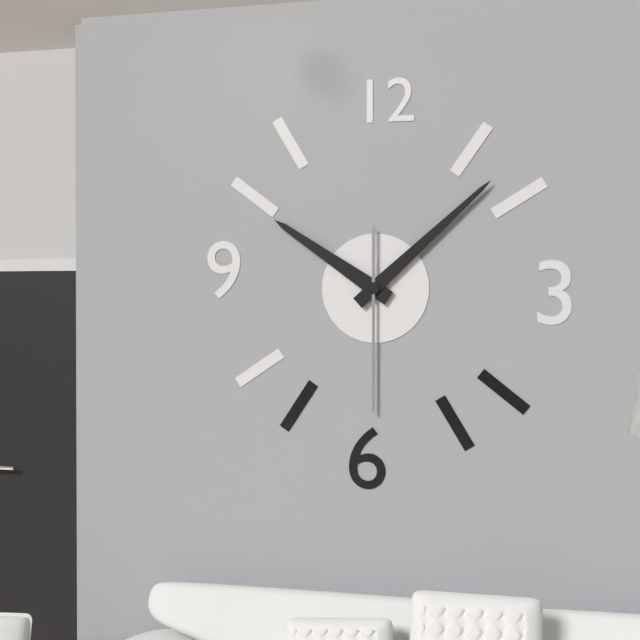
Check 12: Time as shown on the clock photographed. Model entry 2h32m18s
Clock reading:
10h08m30s
